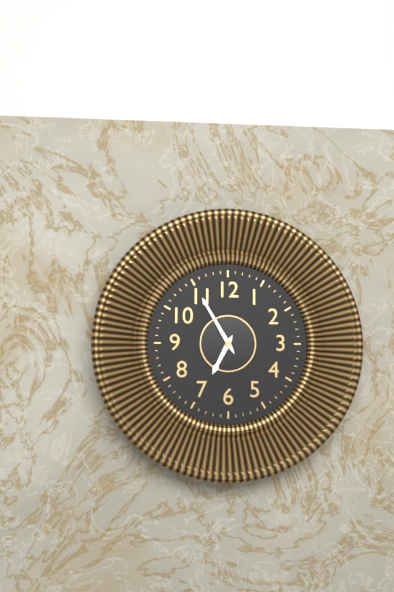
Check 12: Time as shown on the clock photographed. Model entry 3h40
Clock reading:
6h55
